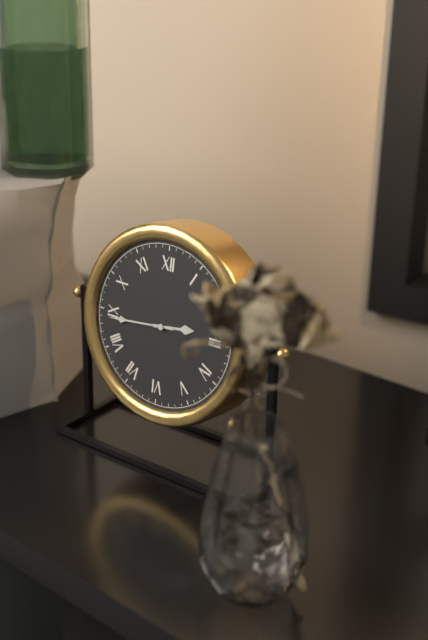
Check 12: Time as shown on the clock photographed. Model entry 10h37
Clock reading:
2h44
